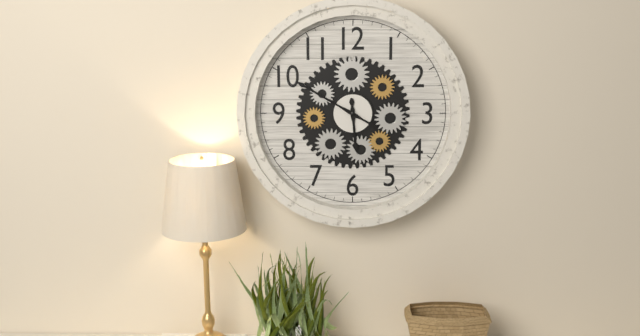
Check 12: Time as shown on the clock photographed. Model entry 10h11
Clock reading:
5h50
